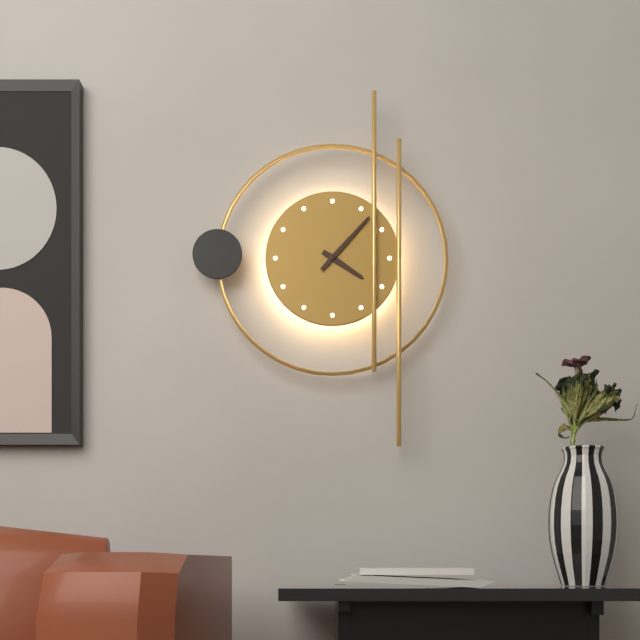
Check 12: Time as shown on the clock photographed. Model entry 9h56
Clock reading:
4h07
